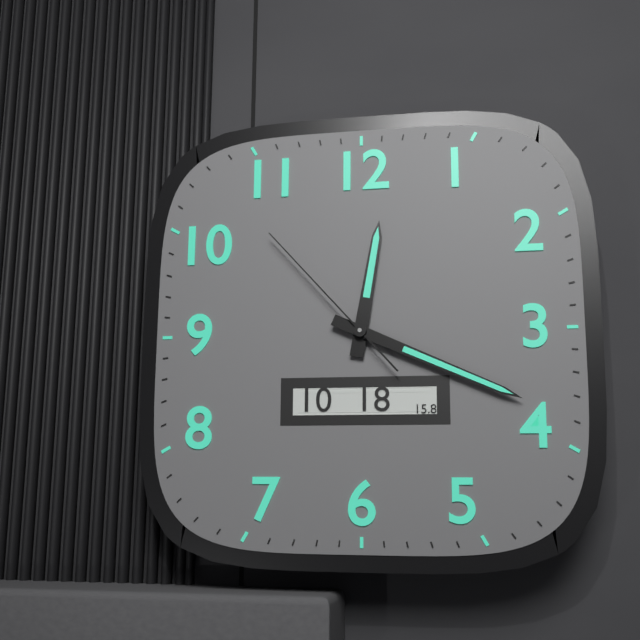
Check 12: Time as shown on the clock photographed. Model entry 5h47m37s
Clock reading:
12h19m53s
